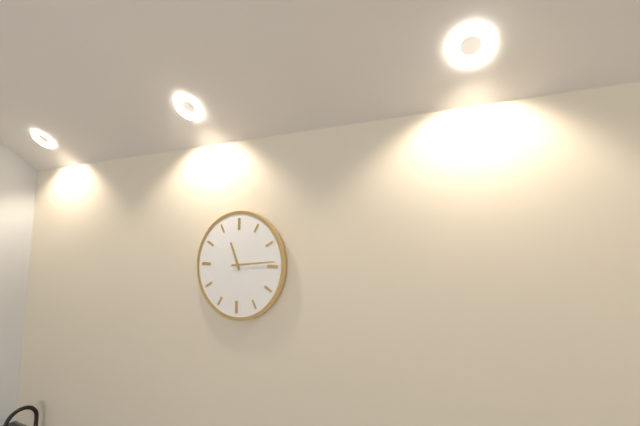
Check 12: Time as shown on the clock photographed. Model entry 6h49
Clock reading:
11h14
